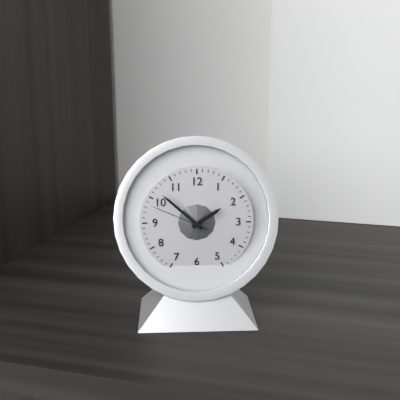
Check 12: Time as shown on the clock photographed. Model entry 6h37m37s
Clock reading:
1h52m49s
